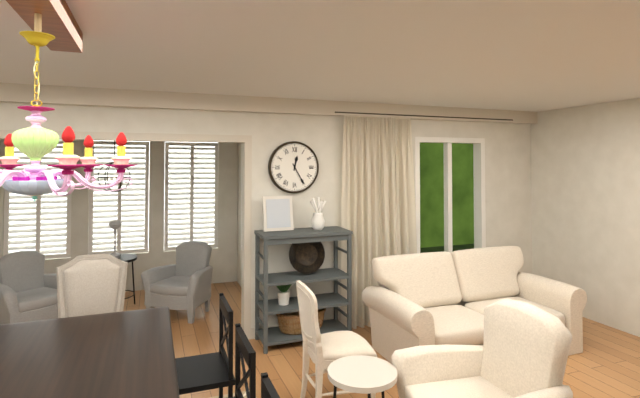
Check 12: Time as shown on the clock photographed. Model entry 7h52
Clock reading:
12h25
